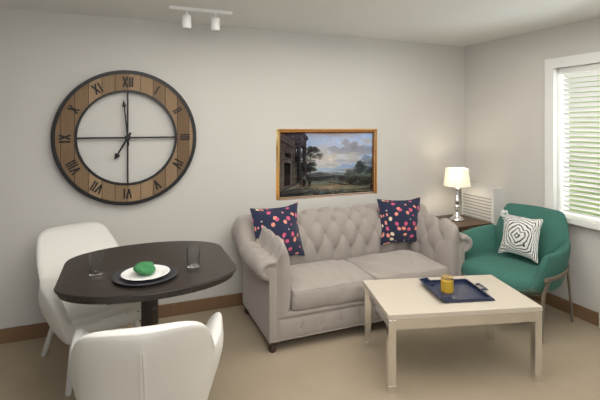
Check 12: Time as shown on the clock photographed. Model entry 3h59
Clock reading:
6h59
